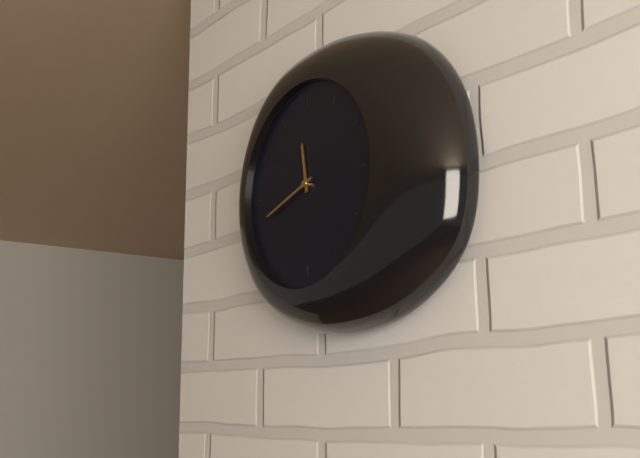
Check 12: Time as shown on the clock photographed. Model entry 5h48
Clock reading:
11h42
